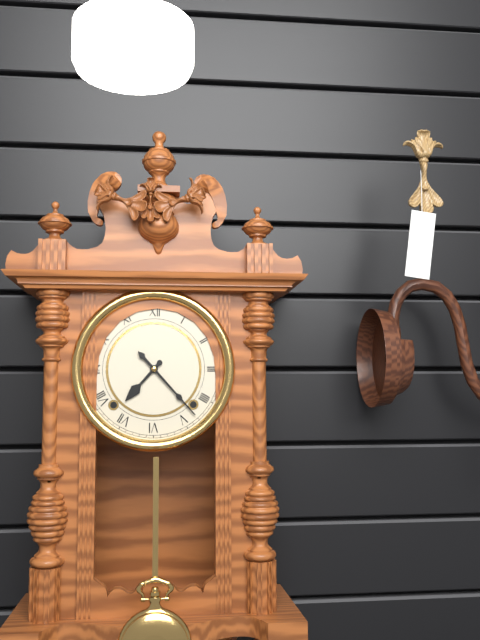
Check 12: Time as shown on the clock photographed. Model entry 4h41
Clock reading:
7h23
